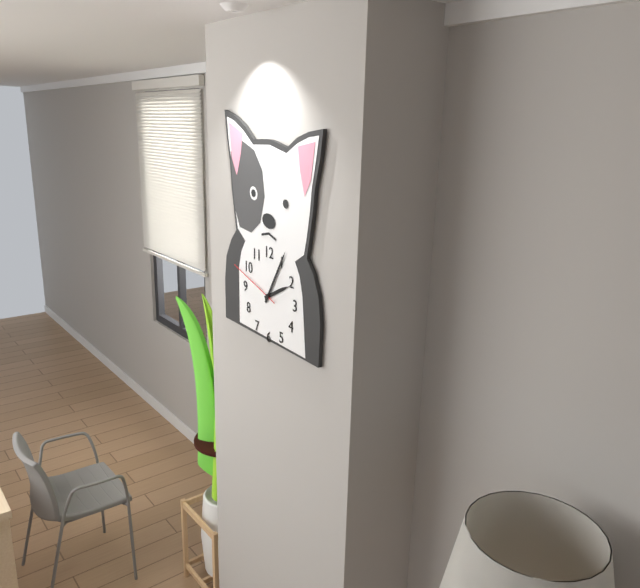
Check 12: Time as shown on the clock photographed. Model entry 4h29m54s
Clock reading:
2h05m48s
